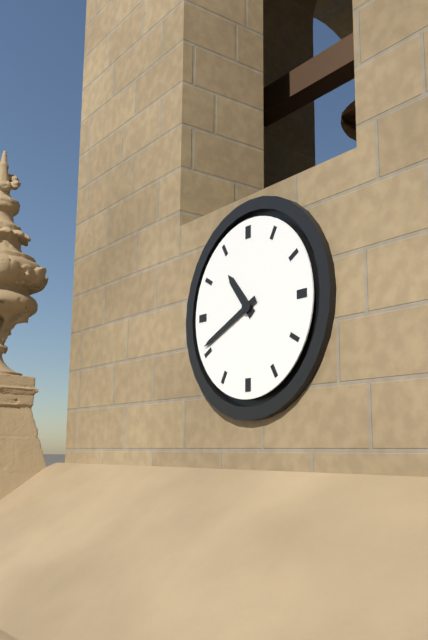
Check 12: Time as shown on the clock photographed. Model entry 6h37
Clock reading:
10h41
